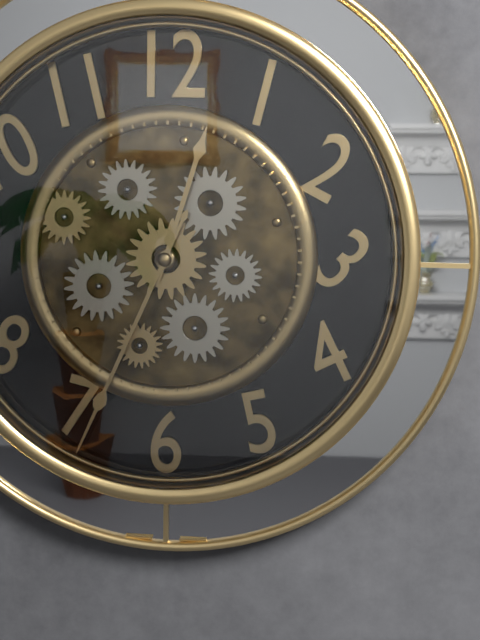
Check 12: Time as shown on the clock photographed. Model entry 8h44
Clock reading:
12h34
